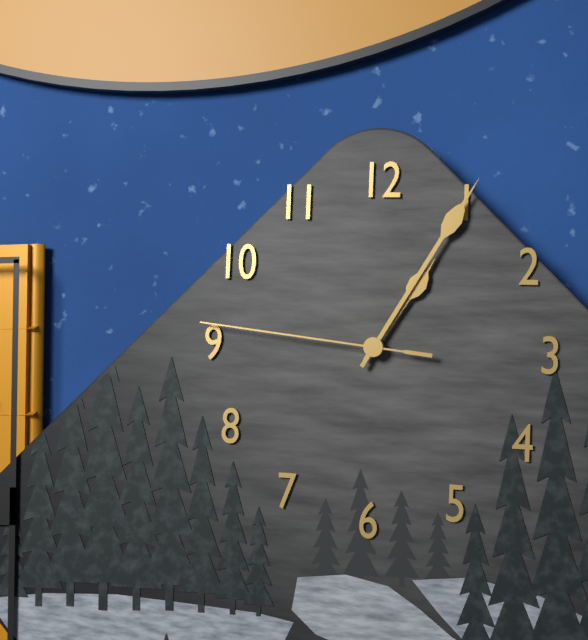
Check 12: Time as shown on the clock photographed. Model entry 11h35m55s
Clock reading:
1h05m46s
